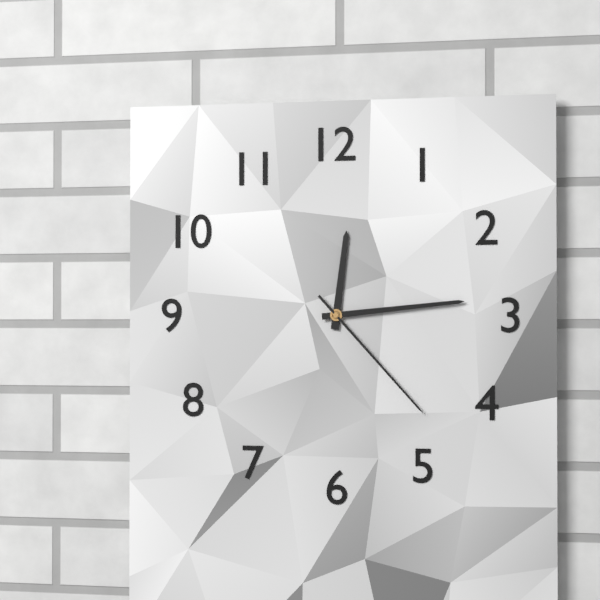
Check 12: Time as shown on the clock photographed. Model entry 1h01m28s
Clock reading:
12h14m23s
